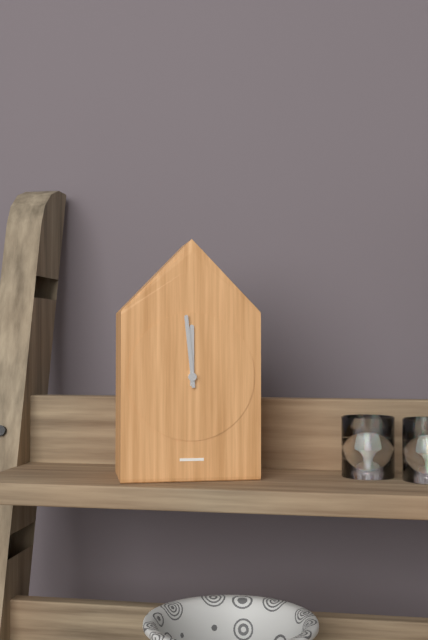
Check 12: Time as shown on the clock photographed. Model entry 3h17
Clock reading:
11h59
